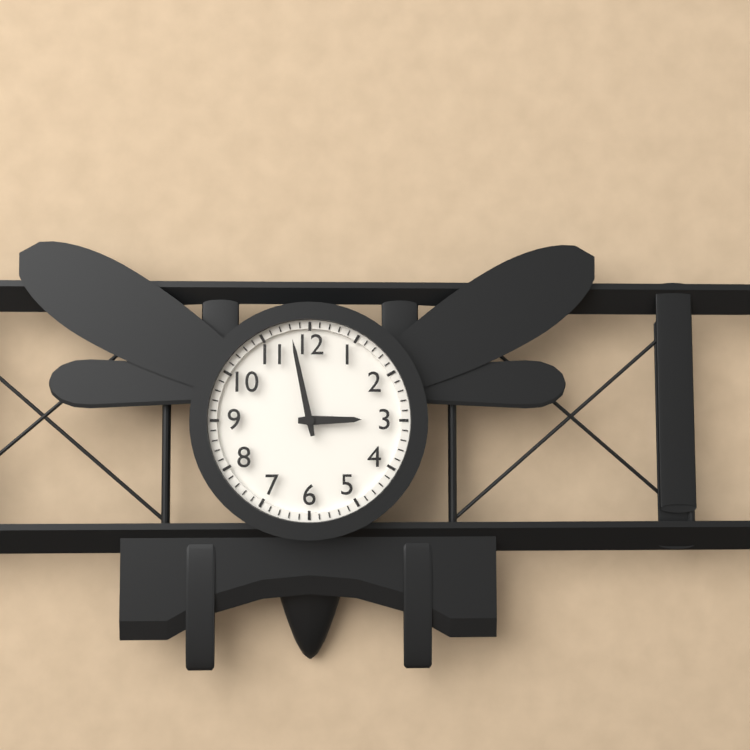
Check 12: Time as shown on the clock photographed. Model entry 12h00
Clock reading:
2h58
